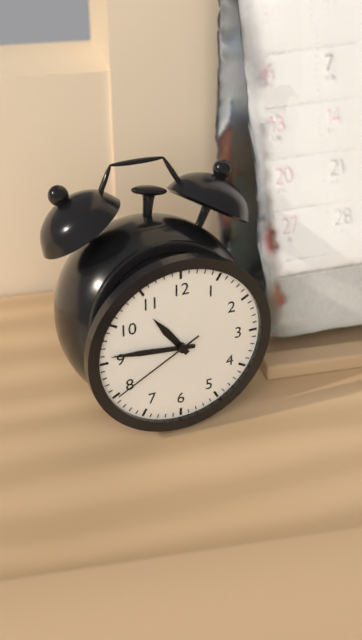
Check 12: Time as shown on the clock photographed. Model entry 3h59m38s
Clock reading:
10h46m40s
